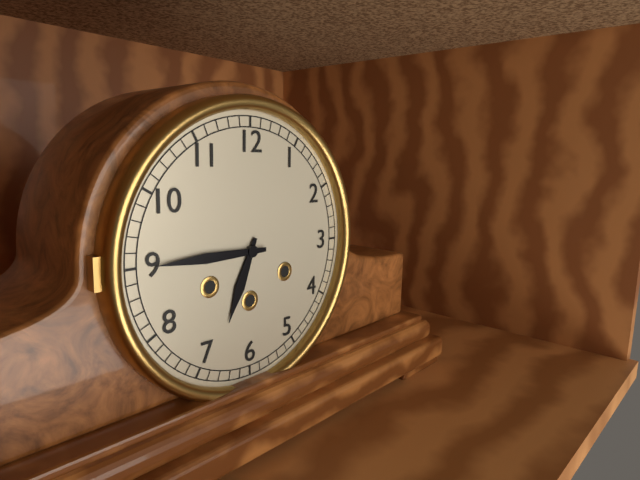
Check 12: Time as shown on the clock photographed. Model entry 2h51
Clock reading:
6h45
